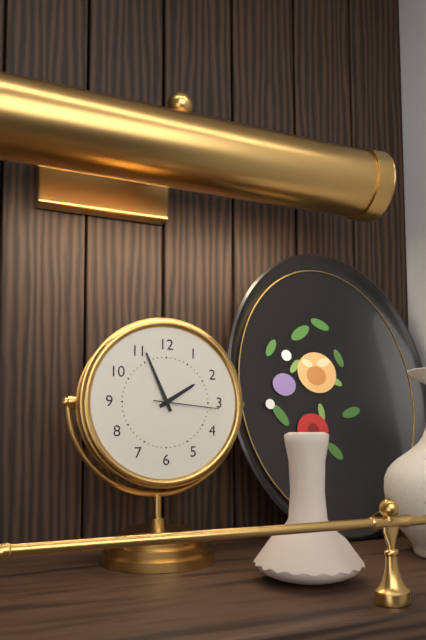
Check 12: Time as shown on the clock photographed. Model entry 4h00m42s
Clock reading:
1h56m16s
